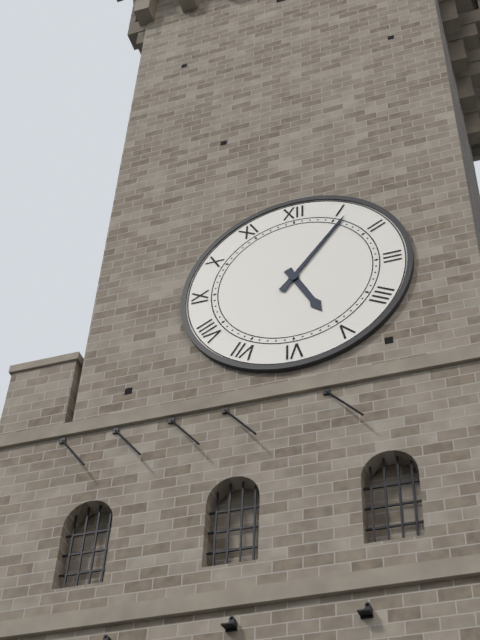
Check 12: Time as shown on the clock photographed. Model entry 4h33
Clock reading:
5h06
